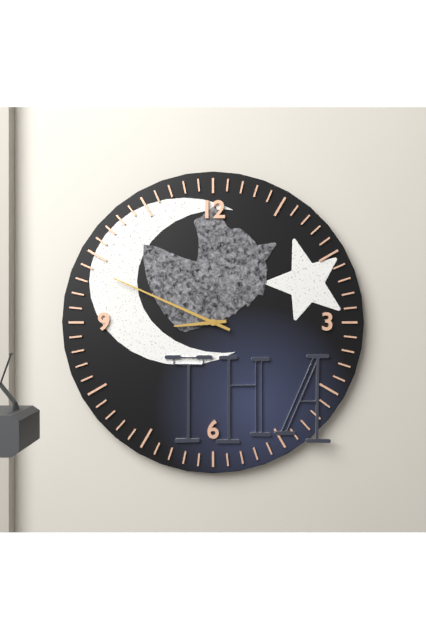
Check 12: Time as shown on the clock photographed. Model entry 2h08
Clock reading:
8h49
